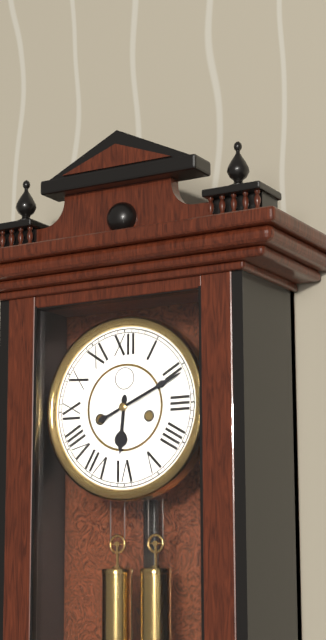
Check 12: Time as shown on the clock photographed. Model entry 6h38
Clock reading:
6h11
